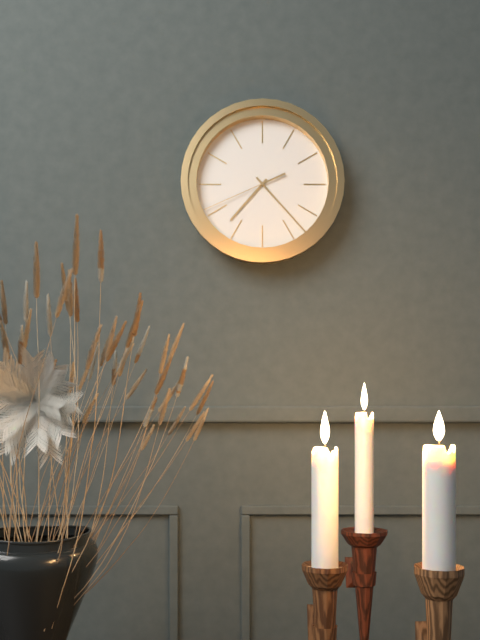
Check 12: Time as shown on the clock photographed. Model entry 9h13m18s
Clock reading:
7h23m41s
